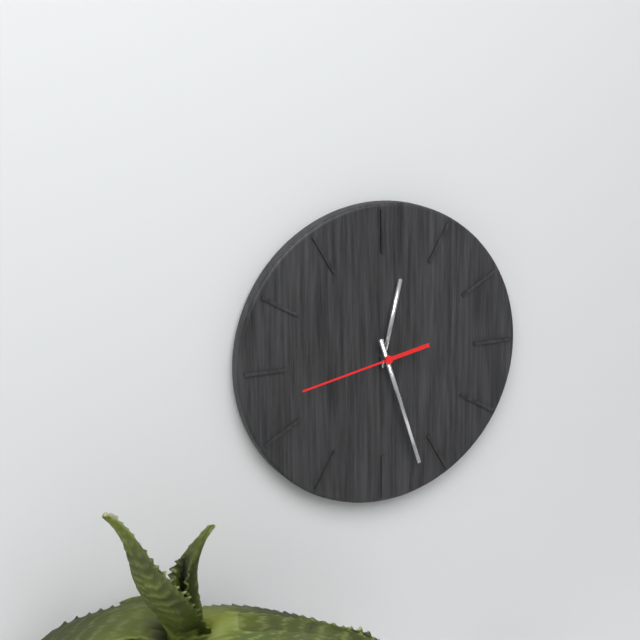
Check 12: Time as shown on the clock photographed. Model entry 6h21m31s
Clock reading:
12h27m43s
